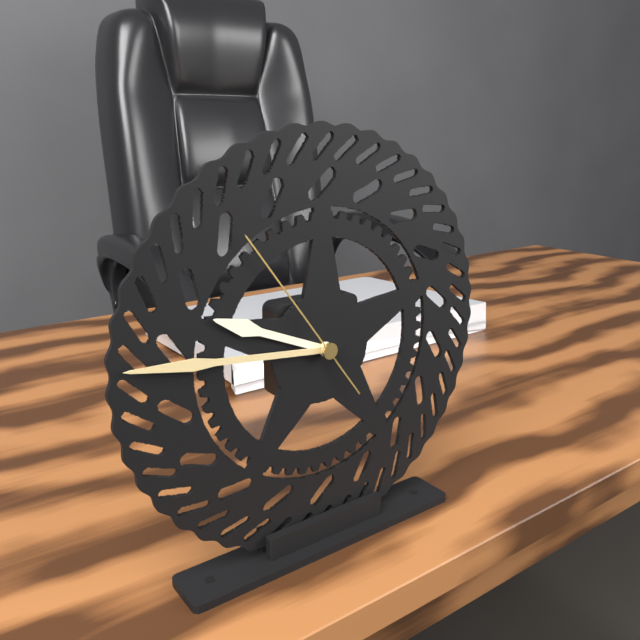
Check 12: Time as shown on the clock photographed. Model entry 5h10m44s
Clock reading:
9h46m54s
